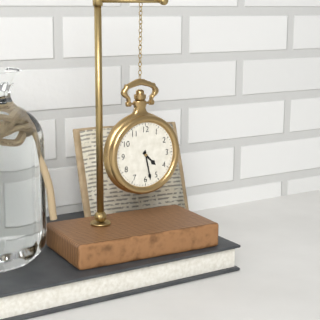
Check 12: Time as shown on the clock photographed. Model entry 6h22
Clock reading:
4h28
